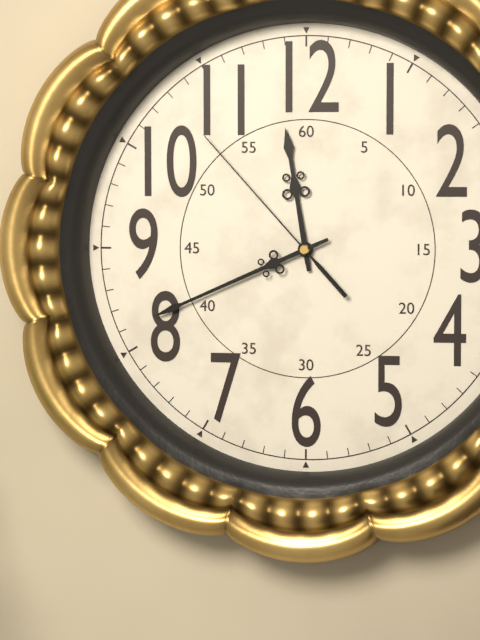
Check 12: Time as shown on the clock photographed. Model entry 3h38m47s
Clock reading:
11h41m53s
